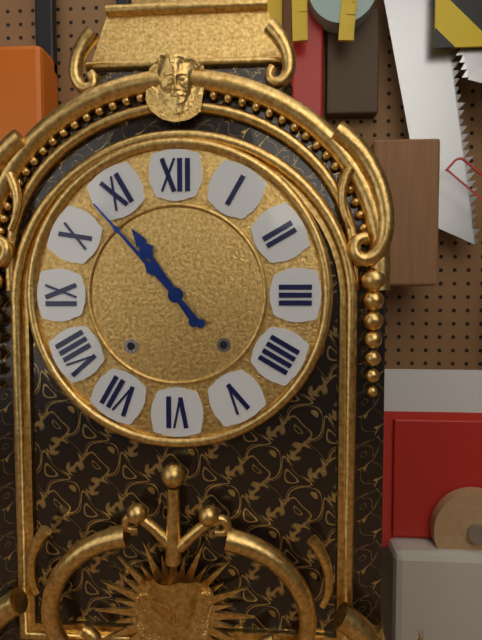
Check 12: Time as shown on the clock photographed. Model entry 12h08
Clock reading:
10h53
